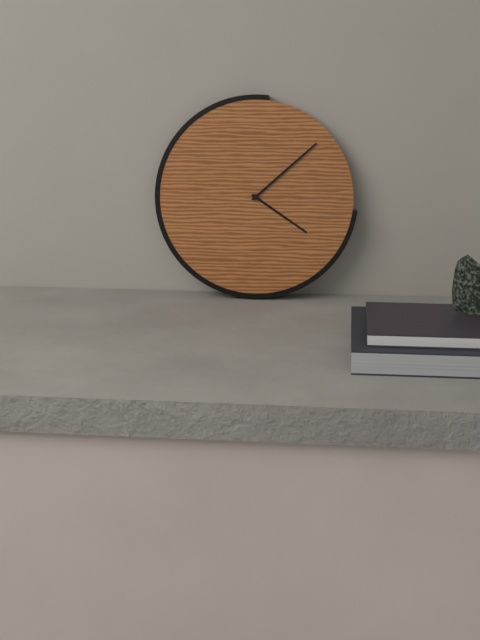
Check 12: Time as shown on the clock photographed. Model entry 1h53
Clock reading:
4h08
